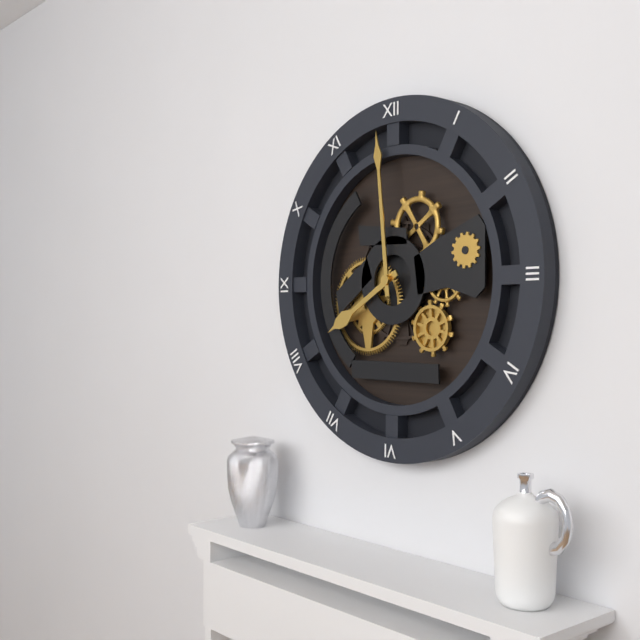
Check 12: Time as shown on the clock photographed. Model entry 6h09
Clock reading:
7h59
